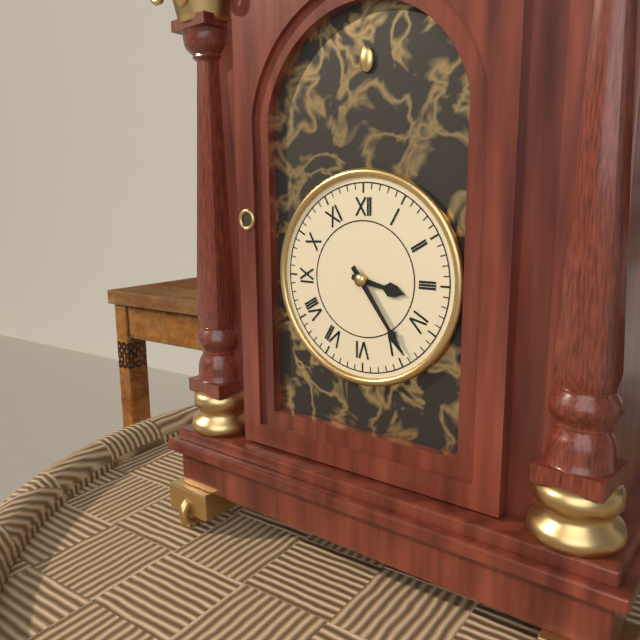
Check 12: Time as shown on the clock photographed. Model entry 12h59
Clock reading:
3h24
